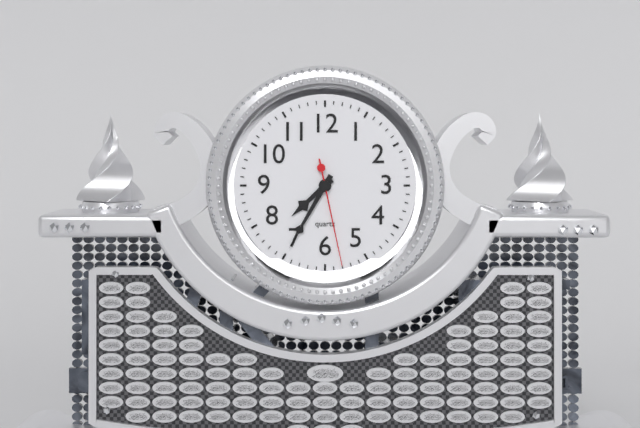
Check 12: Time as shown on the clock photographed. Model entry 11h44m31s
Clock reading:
7h35m28s
